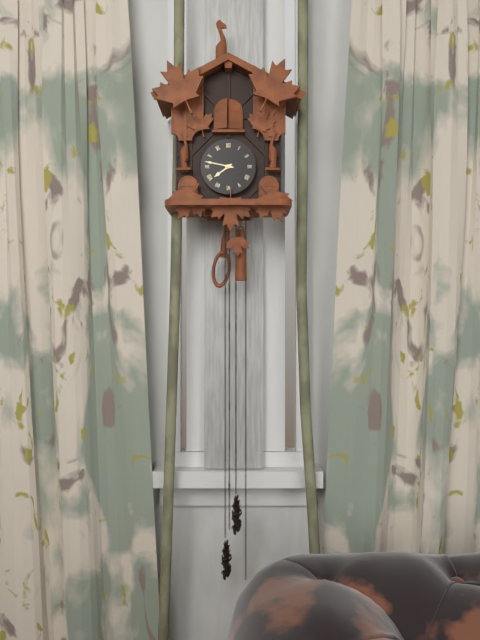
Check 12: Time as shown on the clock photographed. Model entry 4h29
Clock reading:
7h47
